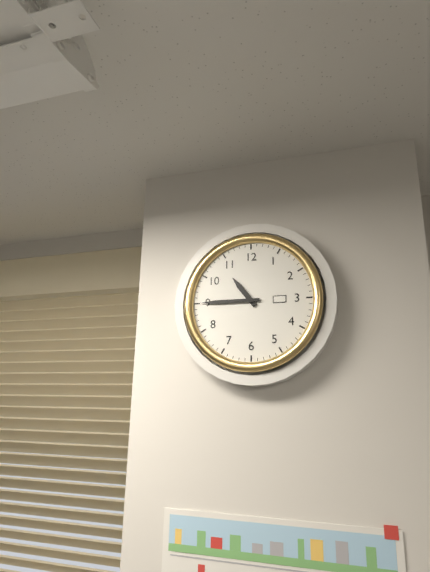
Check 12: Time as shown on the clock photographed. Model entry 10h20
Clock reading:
10h45
